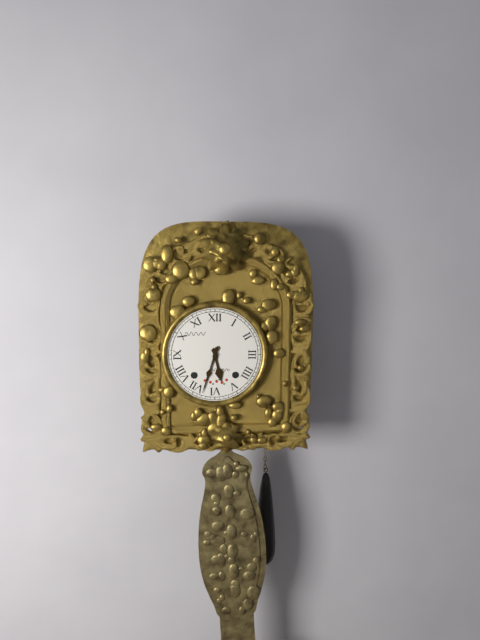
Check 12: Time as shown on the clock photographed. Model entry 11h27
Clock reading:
5h33
